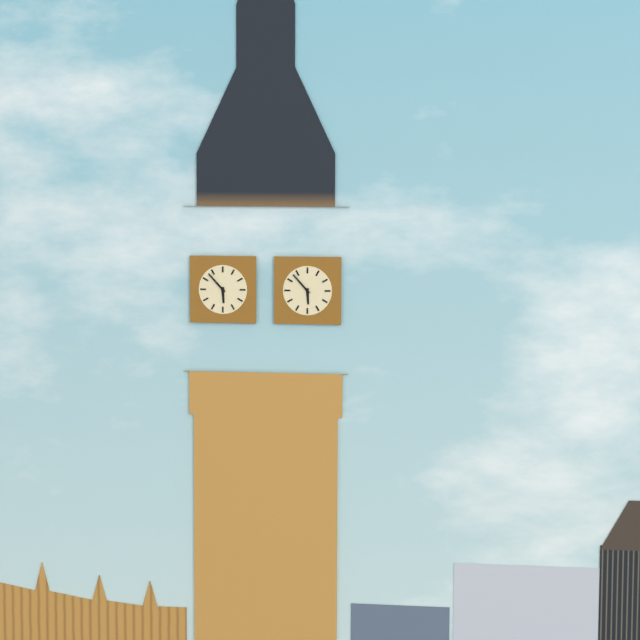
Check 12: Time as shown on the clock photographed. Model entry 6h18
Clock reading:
5h53
